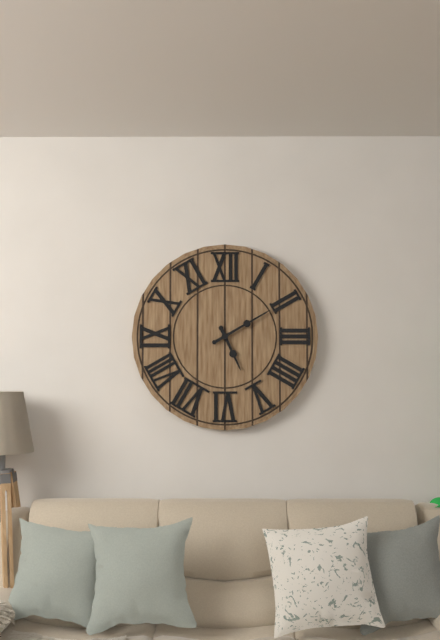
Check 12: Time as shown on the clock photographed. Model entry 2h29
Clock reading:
5h10
